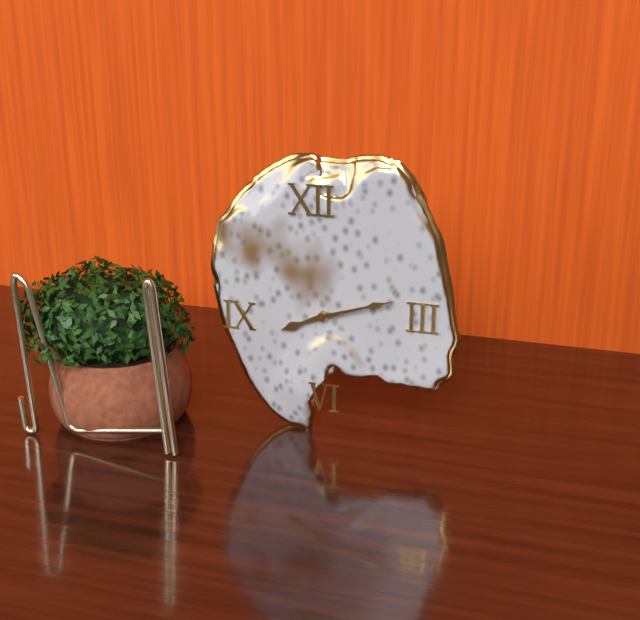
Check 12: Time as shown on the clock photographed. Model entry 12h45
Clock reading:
8h12
